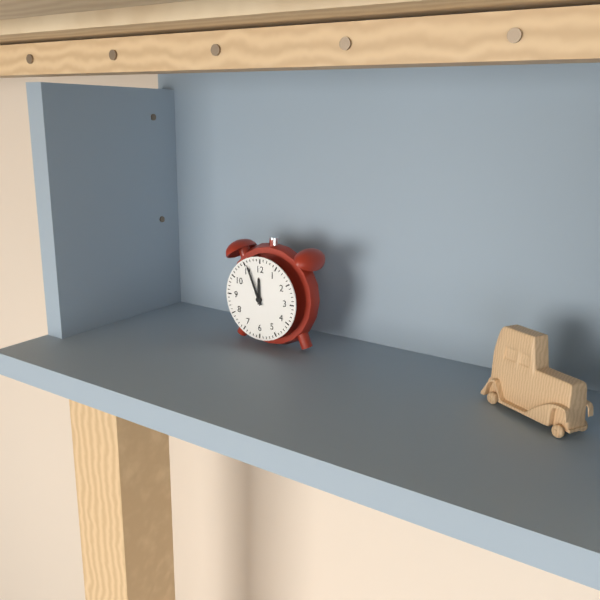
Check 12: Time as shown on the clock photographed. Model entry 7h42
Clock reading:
11h56
